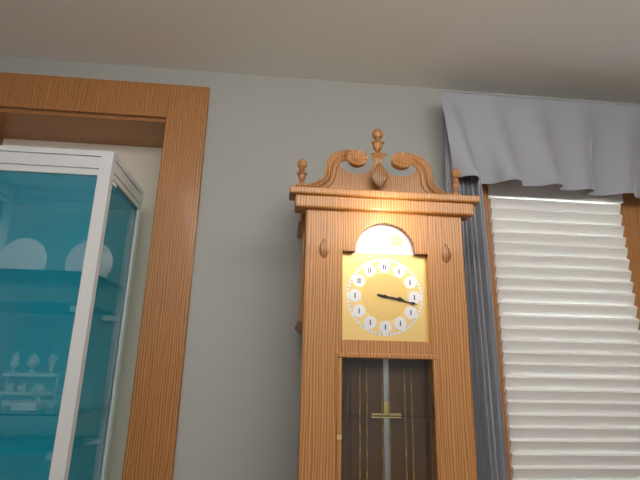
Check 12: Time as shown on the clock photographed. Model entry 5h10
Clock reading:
3h17
